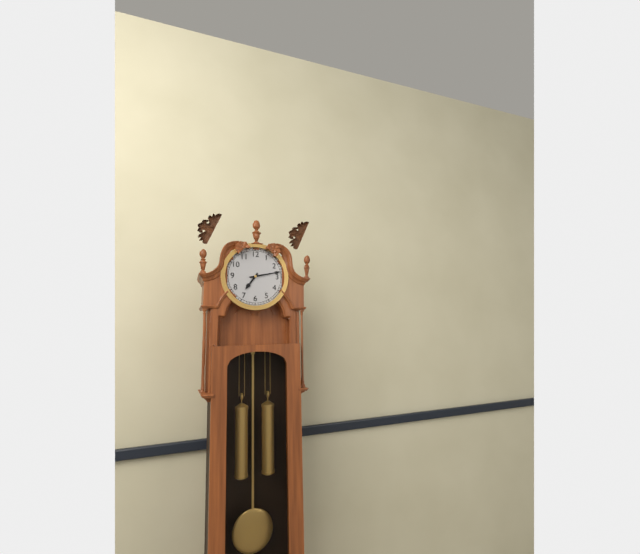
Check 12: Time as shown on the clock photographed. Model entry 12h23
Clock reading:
7h13
